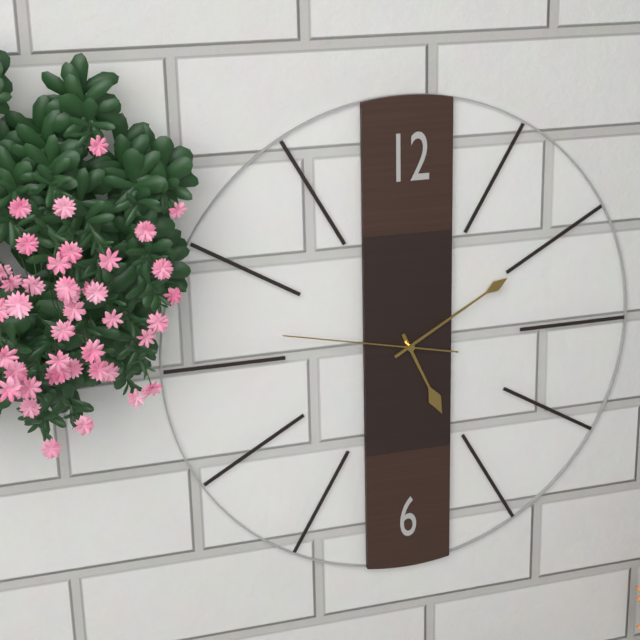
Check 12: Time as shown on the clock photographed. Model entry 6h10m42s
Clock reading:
5h10m47s
